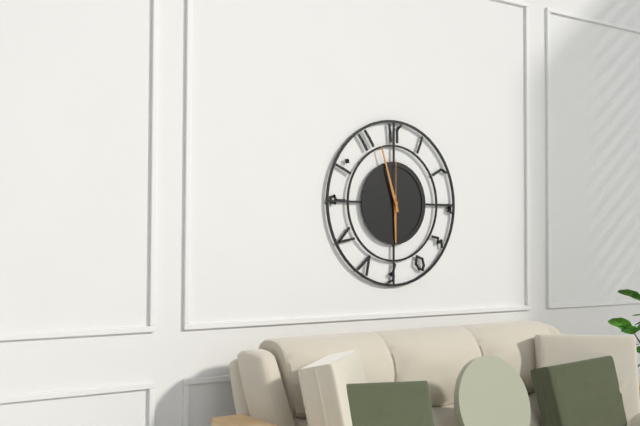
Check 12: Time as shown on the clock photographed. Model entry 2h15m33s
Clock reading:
5h57m00s
